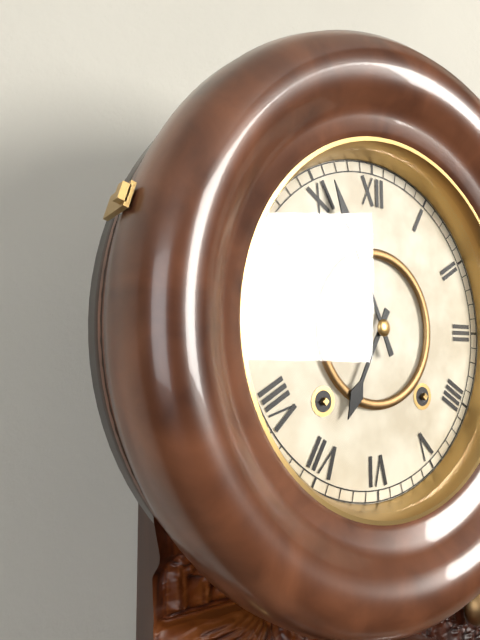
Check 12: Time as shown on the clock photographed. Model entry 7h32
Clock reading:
6h56
